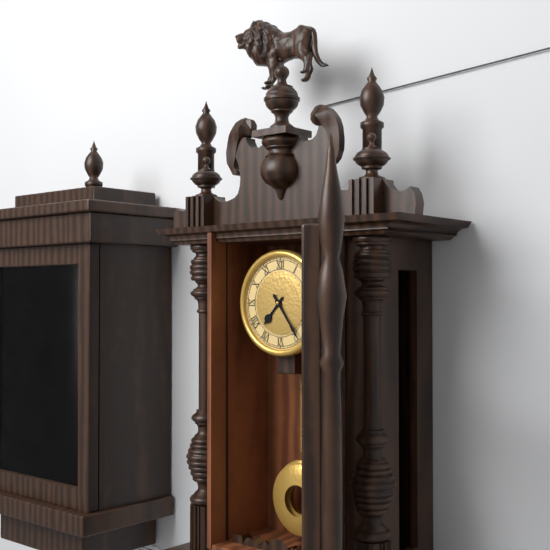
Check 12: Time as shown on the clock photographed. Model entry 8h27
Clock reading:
7h24
